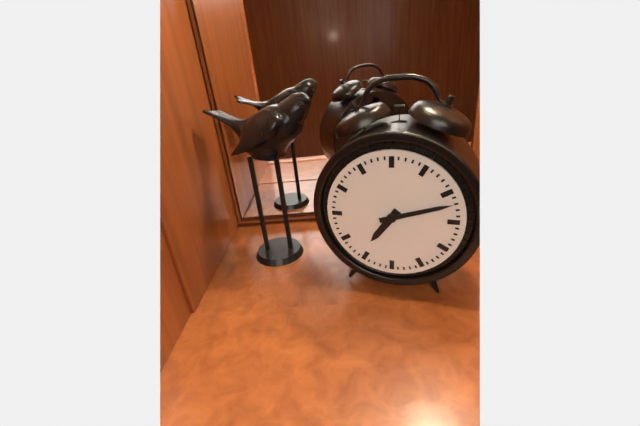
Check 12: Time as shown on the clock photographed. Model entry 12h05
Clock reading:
7h12
